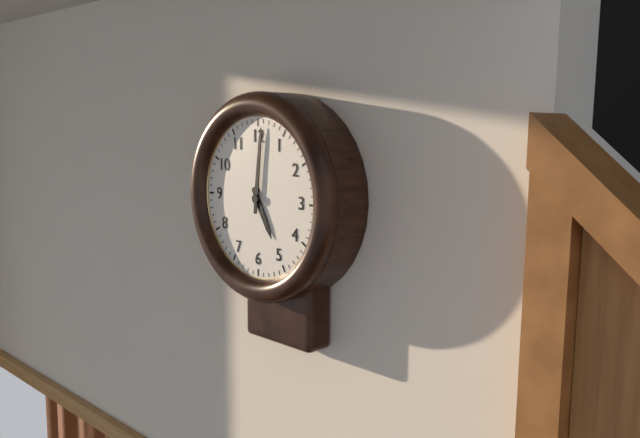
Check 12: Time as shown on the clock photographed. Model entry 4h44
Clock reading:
5h01
